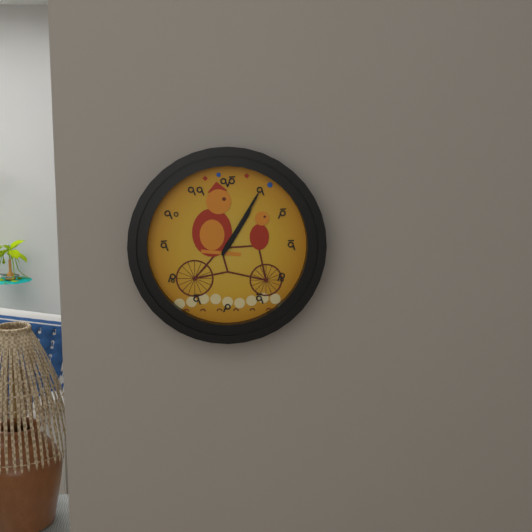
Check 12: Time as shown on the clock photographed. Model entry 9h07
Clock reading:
1h05
